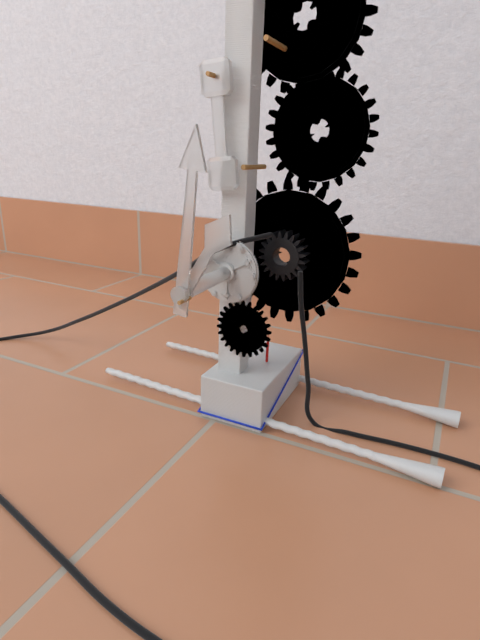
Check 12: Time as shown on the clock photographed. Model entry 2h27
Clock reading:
1h01
